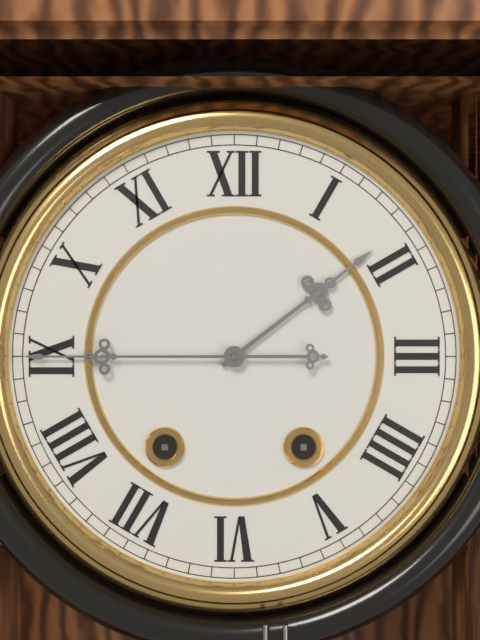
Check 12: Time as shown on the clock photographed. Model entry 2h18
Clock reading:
1h45
